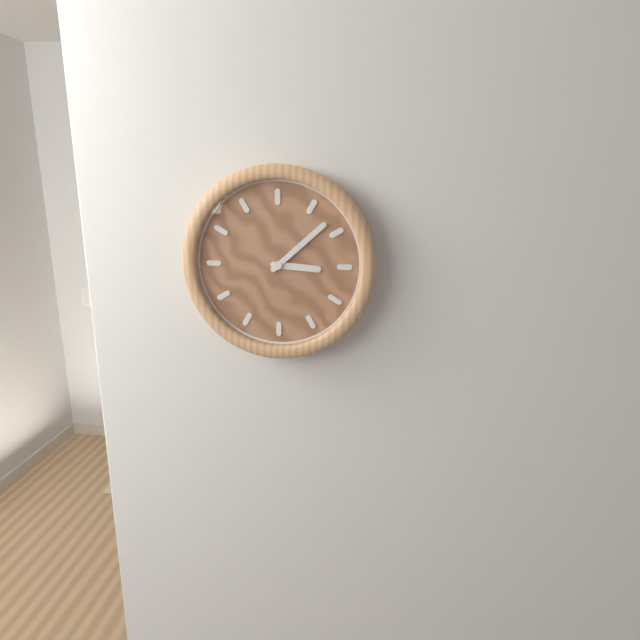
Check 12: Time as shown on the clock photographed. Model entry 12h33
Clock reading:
3h08
